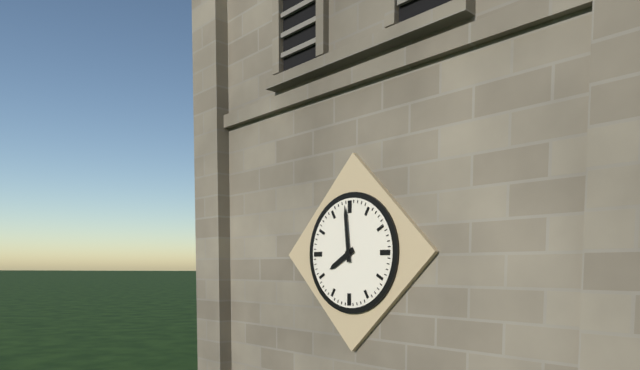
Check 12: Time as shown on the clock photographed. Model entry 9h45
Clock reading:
7h59
